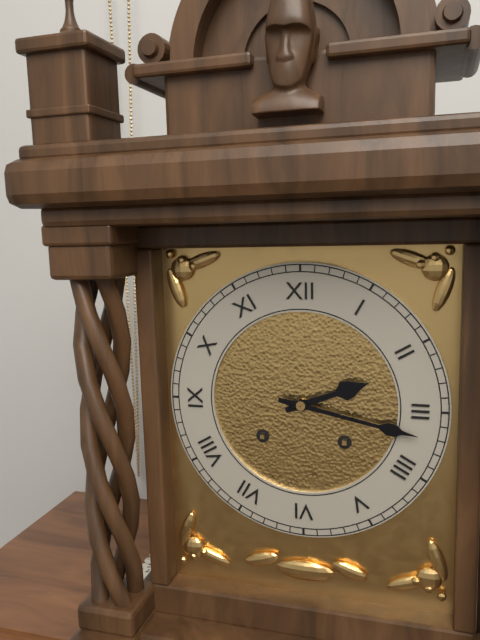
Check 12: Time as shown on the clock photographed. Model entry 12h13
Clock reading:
2h17
